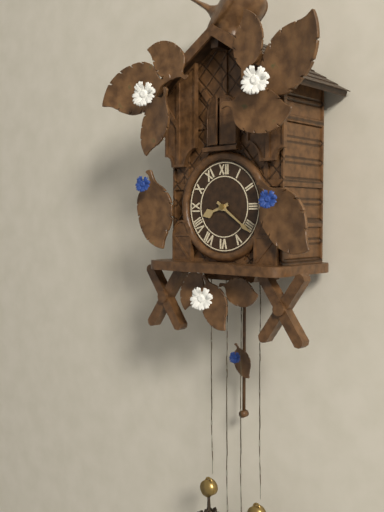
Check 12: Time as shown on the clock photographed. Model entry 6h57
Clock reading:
8h21
